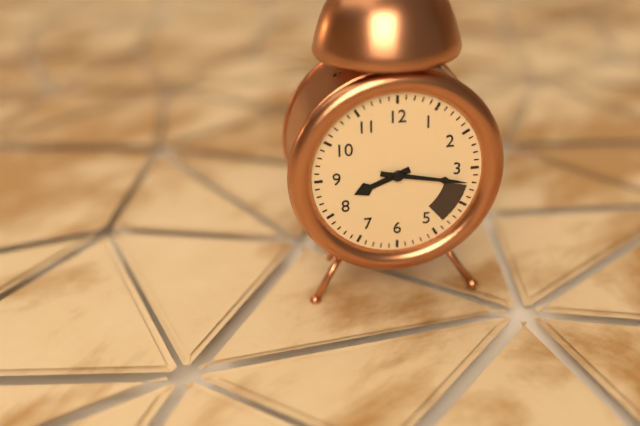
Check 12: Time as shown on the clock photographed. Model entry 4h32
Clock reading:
8h17
